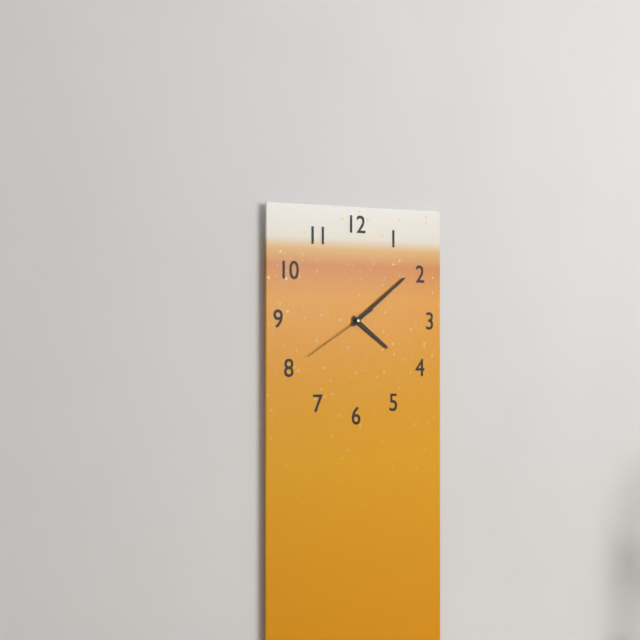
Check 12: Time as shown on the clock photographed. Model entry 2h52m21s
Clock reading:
4h09m40s
